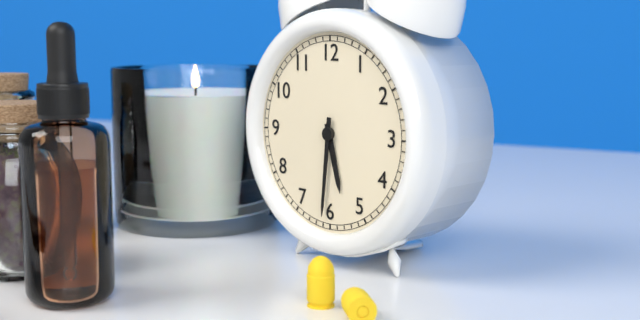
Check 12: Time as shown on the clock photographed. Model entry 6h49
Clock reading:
5h31
